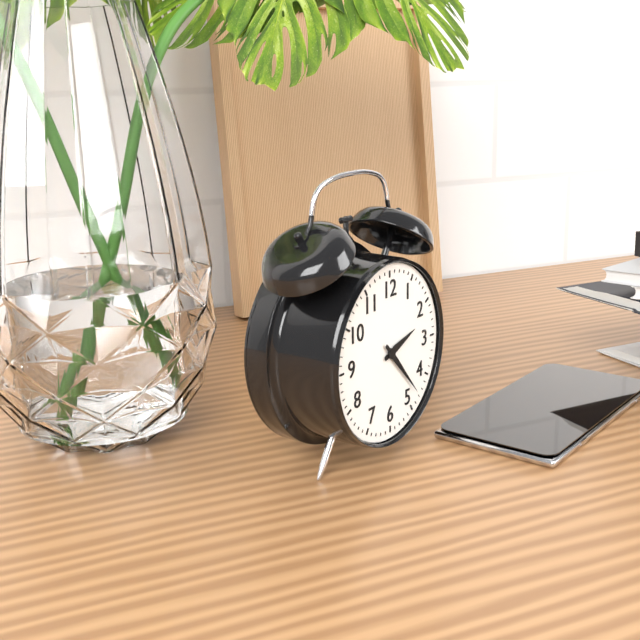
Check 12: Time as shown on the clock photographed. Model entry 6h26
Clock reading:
2h23
